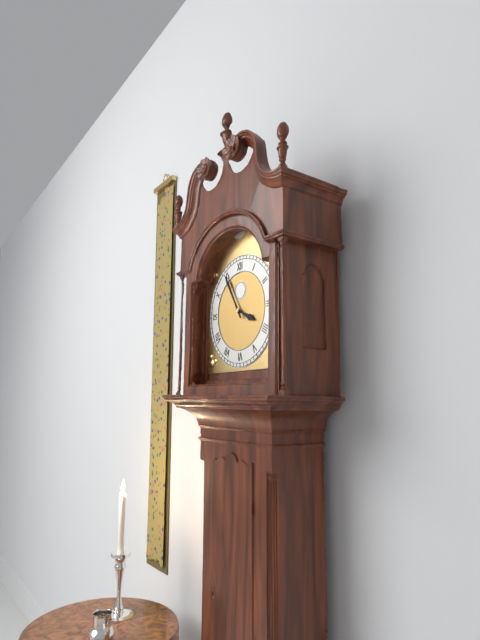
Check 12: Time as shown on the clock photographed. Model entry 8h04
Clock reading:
3h55
